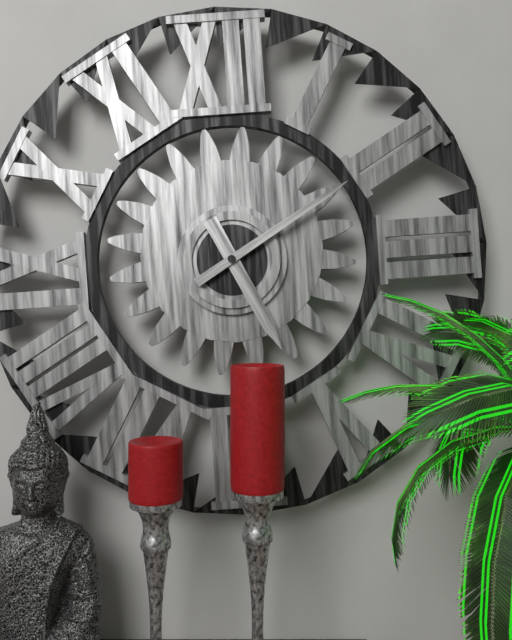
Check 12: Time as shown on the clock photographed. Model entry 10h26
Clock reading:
5h10
